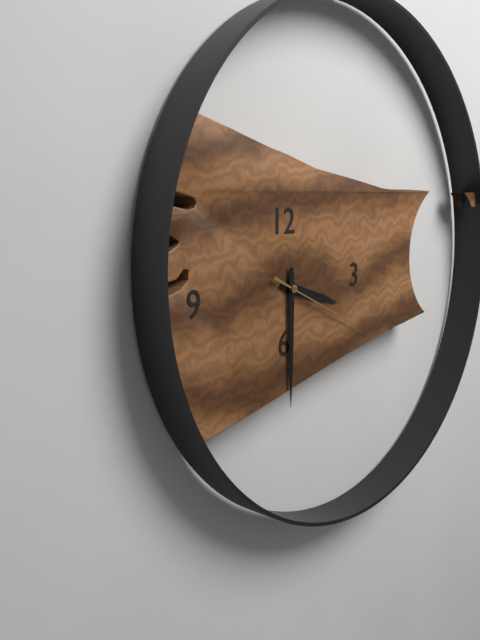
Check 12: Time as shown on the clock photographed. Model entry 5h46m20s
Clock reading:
3h30m19s
